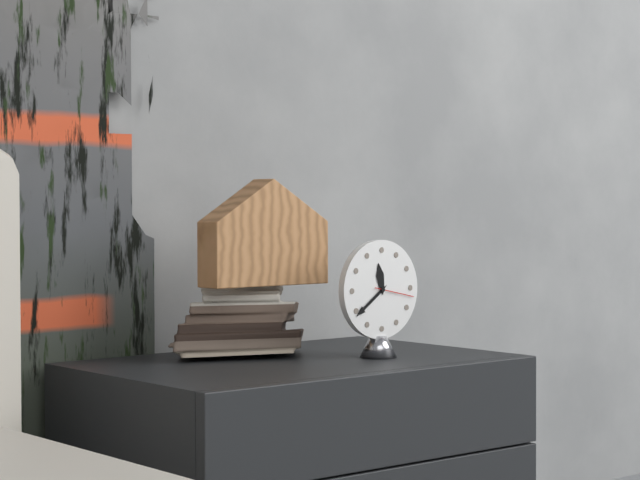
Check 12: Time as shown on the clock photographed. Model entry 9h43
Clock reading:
11h39
